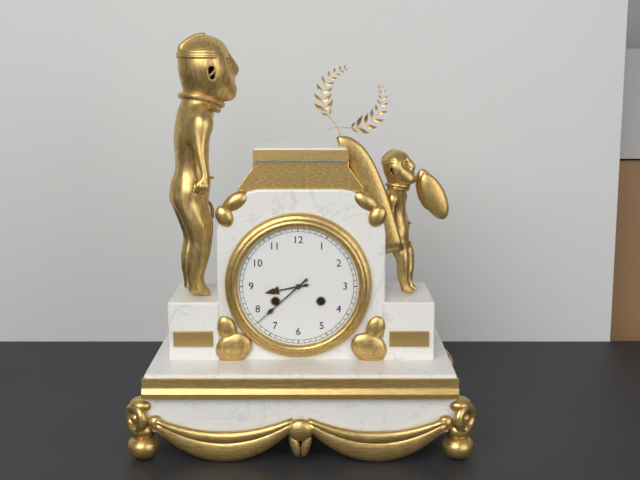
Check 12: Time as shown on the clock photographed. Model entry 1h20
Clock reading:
8h38
